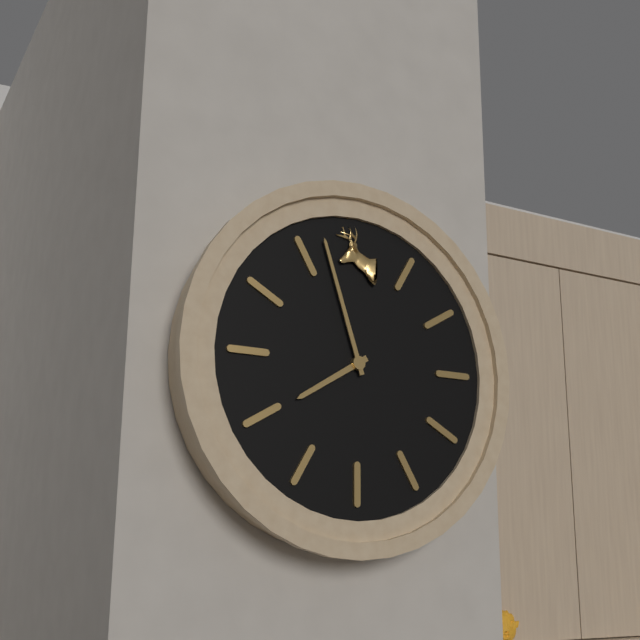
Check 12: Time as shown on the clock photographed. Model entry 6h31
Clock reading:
7h57
